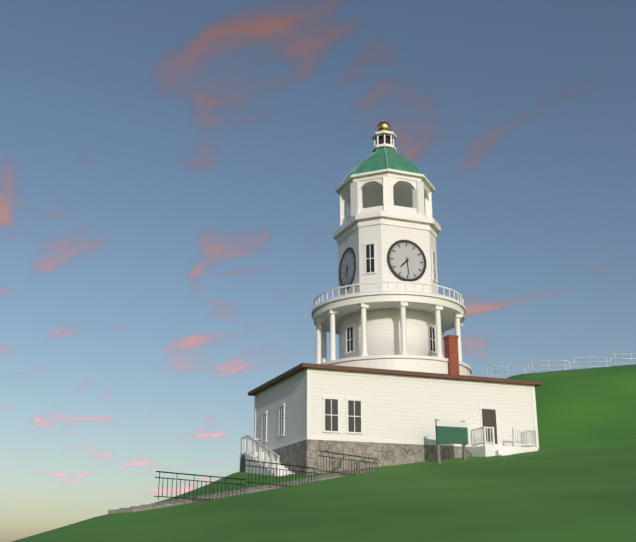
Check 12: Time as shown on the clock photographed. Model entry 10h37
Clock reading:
7h29
